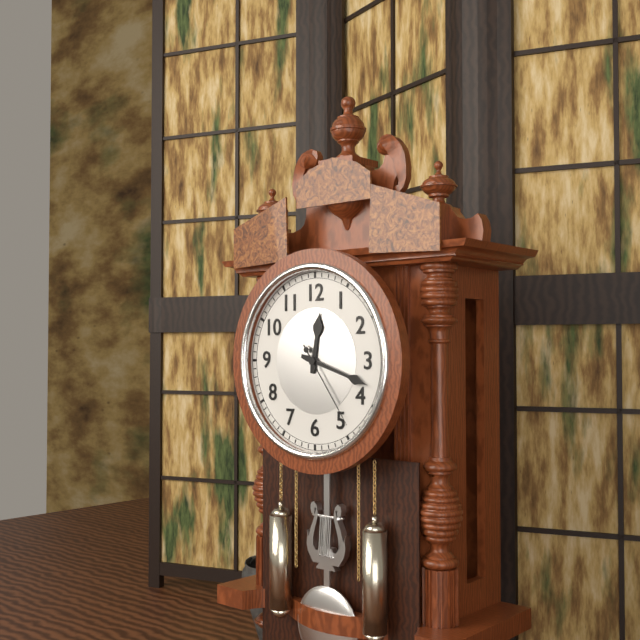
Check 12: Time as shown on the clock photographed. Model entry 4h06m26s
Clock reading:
12h18m24s
